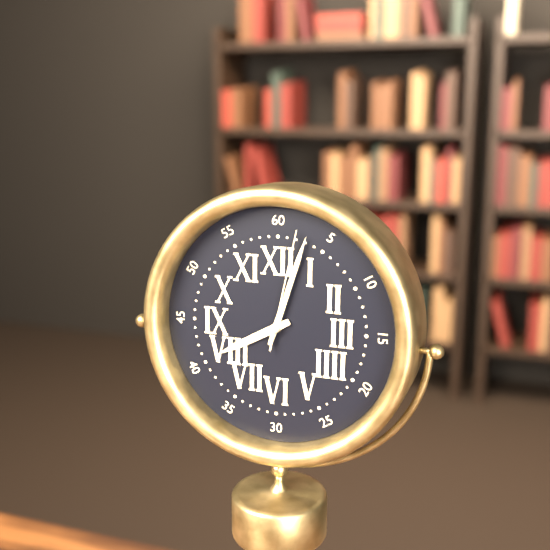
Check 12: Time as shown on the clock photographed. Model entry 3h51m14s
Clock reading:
8h03m02s
